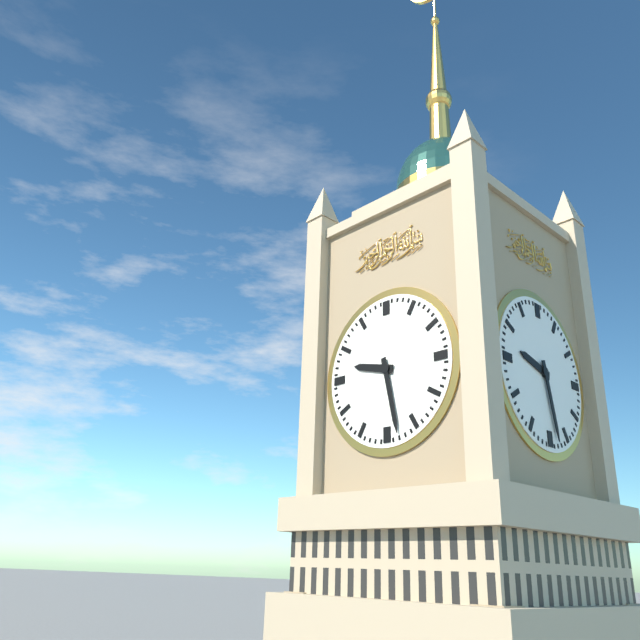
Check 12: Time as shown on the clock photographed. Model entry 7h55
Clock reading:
9h28
